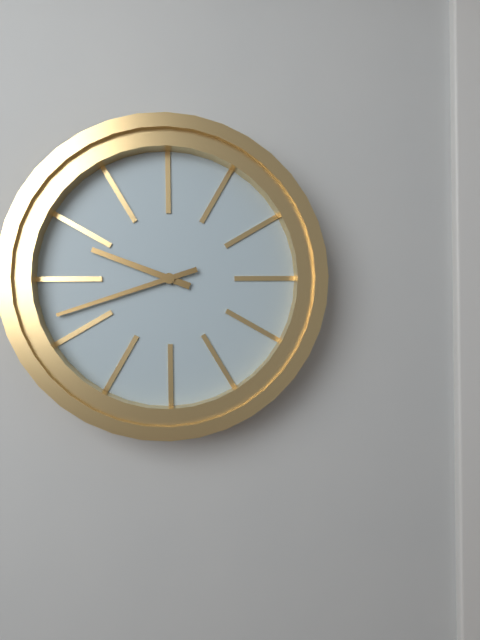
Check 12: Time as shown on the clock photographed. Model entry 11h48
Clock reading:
9h42
